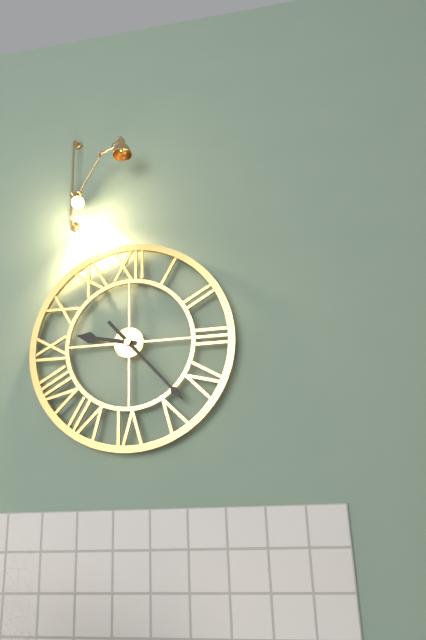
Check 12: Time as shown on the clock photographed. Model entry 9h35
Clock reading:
9h23
